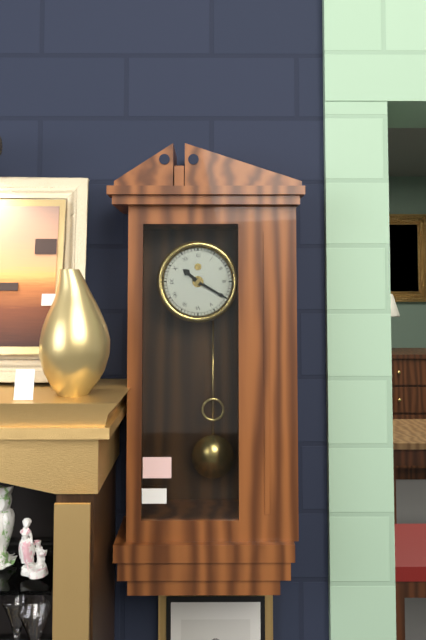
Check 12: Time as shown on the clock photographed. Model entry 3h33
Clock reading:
10h20
